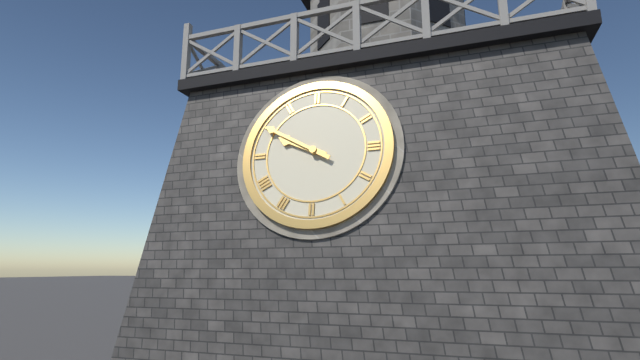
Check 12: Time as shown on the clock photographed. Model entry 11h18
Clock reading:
9h50
